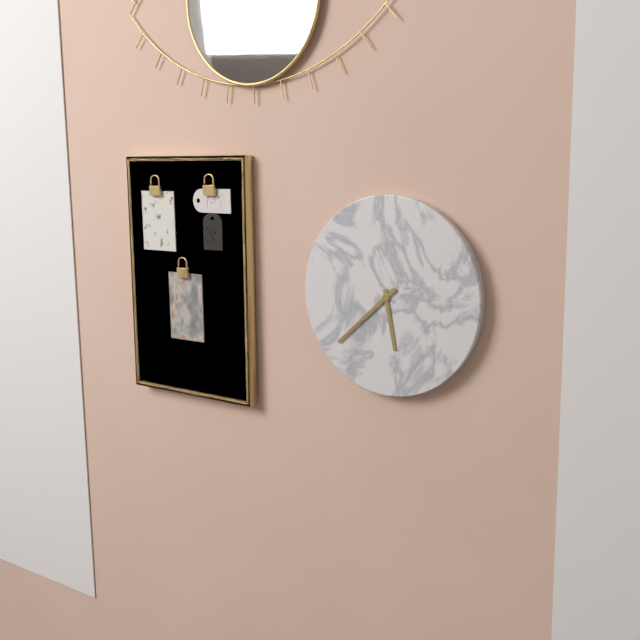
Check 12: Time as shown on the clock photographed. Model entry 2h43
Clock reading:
5h38
